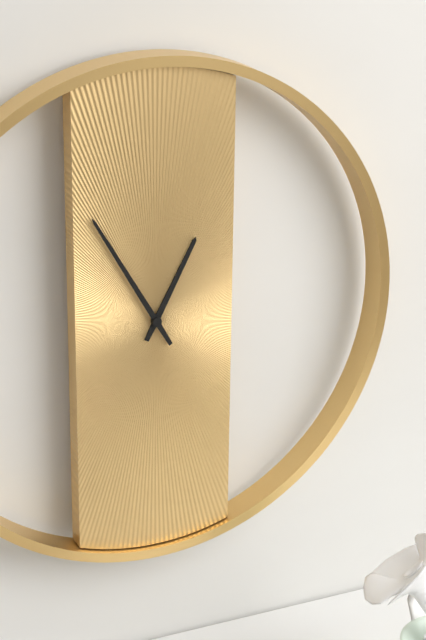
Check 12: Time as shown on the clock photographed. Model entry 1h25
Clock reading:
12h55
